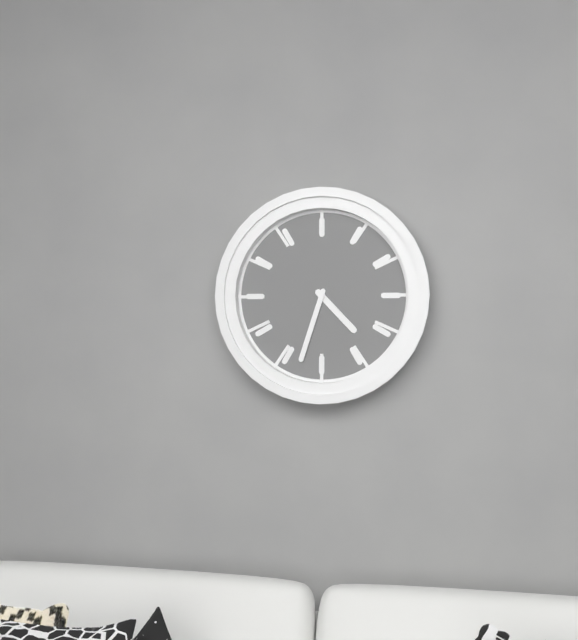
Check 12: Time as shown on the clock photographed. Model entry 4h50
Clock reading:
4h33
